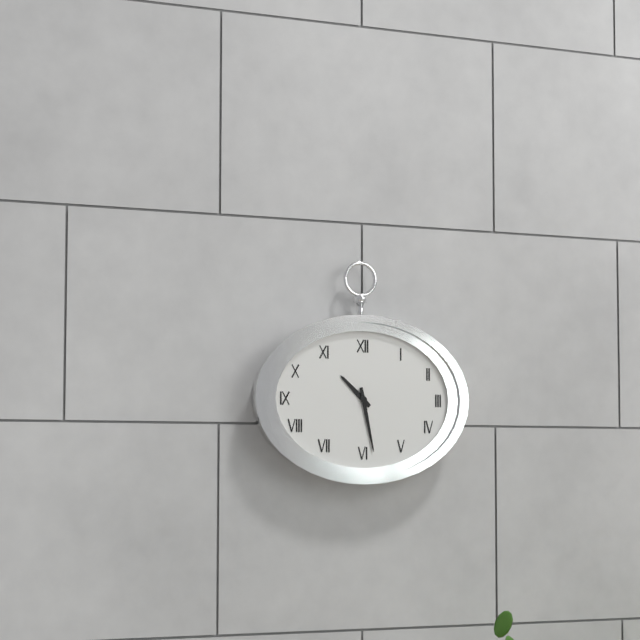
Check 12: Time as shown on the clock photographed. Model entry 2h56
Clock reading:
10h28
